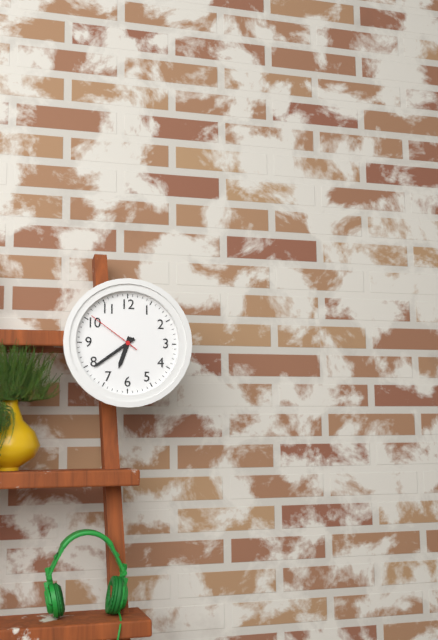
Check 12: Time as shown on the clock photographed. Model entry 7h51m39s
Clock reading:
6h39m51s
